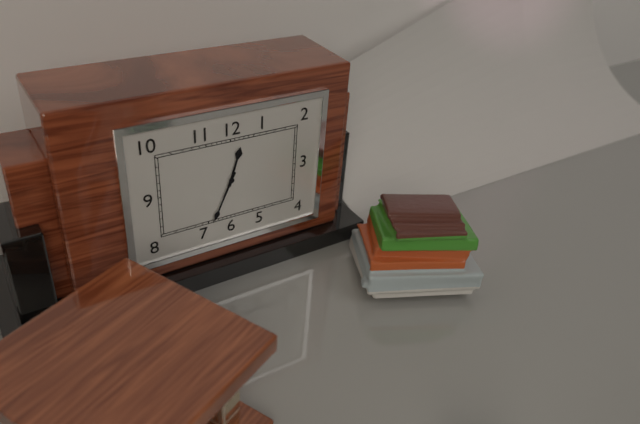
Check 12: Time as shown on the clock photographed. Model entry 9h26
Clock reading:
12h34
